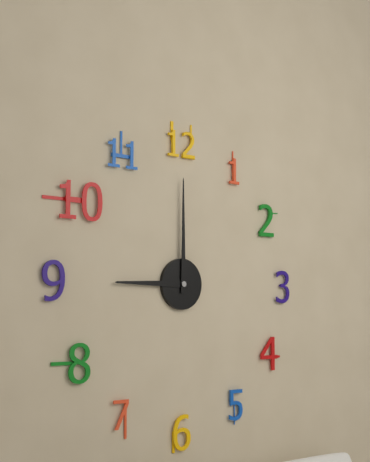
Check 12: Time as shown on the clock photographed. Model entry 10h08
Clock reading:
9h00
